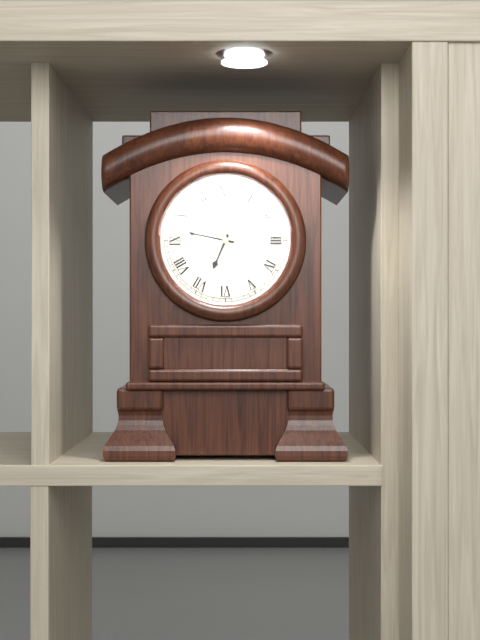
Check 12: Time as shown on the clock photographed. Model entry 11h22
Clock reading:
6h47
